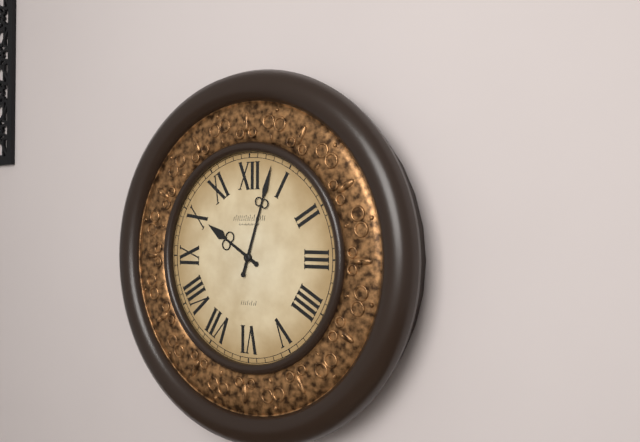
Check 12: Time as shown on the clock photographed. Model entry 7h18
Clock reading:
10h03
